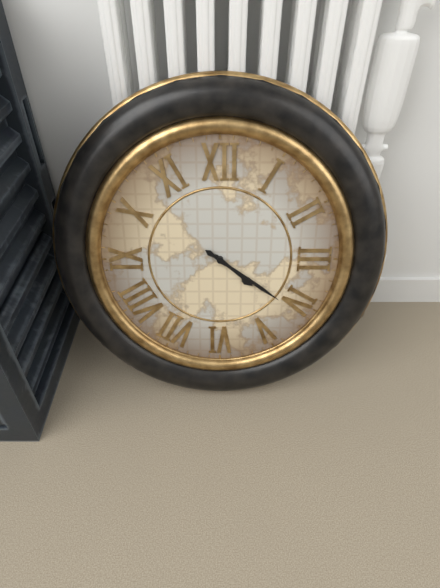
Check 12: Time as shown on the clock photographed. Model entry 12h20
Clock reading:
4h21
